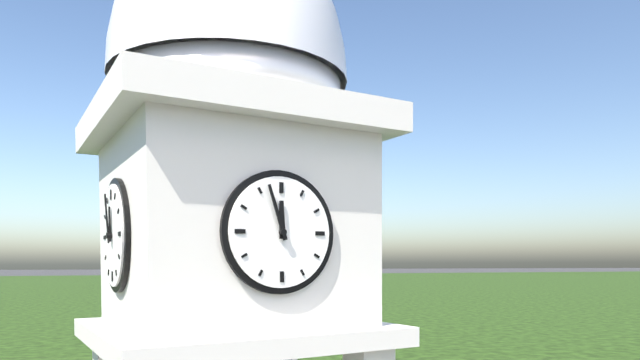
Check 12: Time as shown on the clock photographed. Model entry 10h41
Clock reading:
11h57
